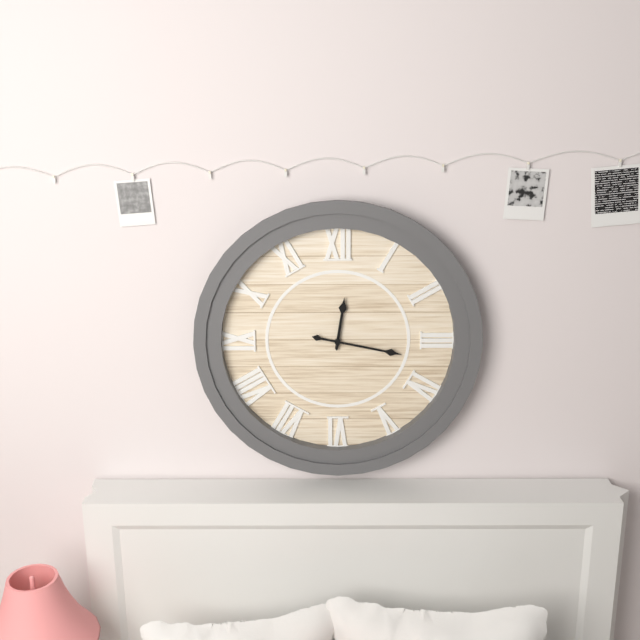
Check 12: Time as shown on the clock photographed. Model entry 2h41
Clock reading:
12h17
